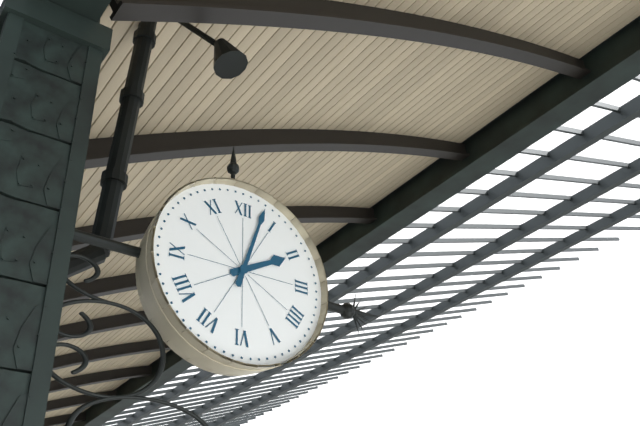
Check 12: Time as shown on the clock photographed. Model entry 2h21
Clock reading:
2h03
